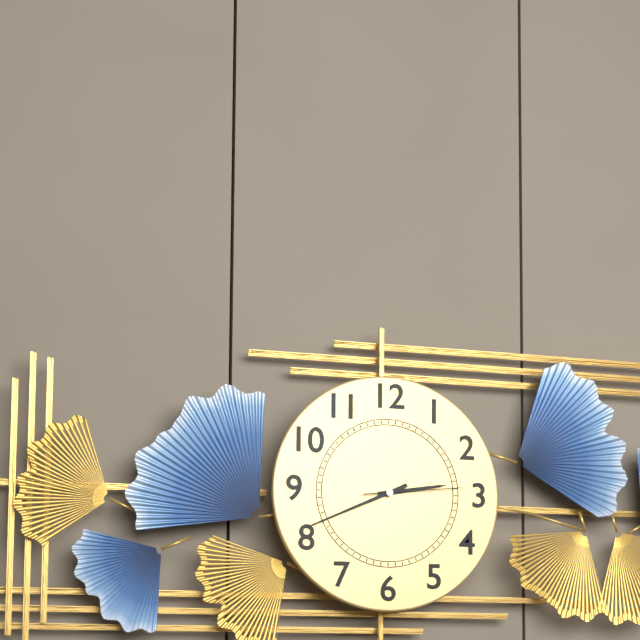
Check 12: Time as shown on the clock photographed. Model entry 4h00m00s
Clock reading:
2h41m14s
